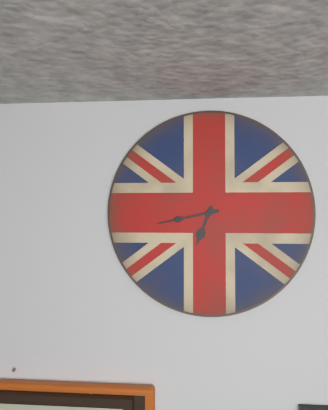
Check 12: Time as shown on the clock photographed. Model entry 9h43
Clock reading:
6h43
